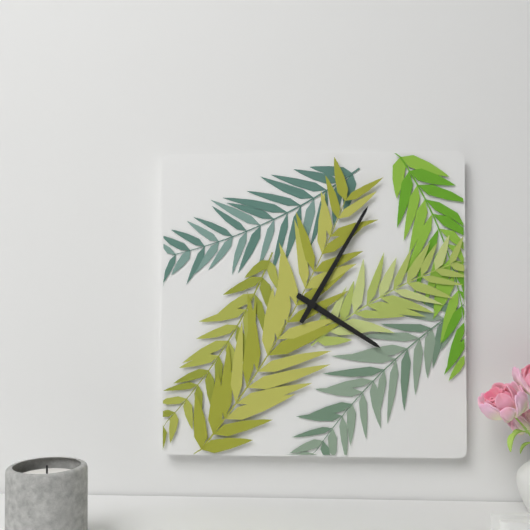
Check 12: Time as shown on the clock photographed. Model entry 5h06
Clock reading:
4h05
